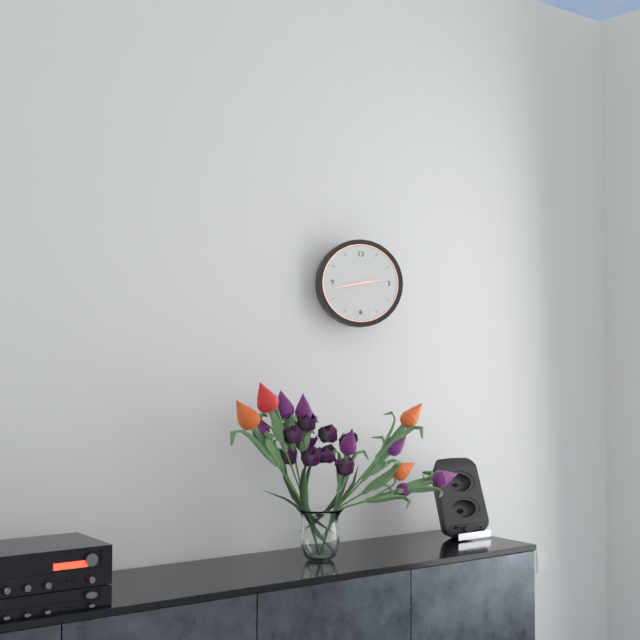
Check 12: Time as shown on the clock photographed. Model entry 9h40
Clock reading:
2h43
